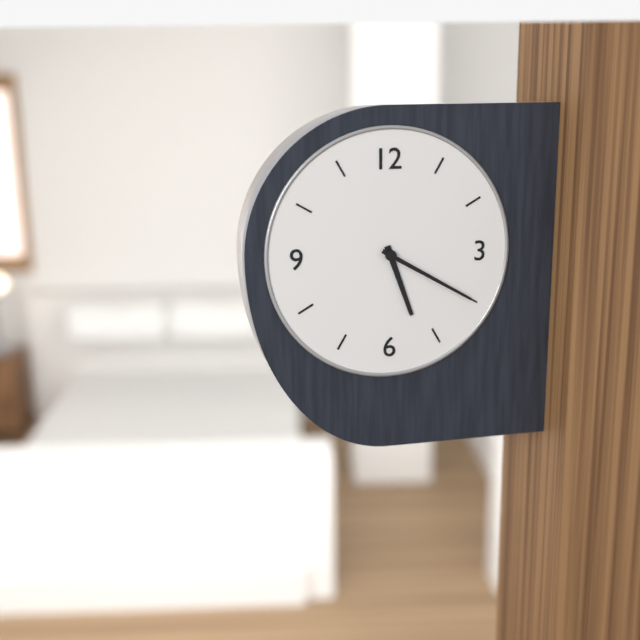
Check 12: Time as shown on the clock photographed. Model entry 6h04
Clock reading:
5h20
